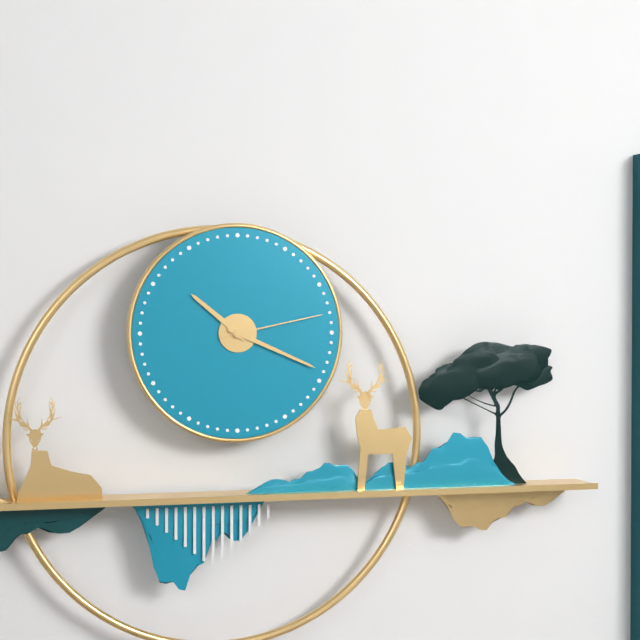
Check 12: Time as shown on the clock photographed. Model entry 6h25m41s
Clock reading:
10h19m13s
